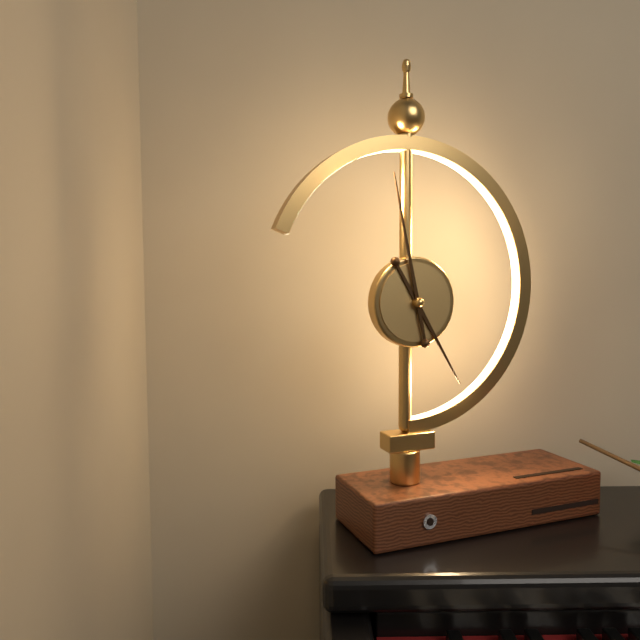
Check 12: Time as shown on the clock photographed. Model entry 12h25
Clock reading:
4h58
